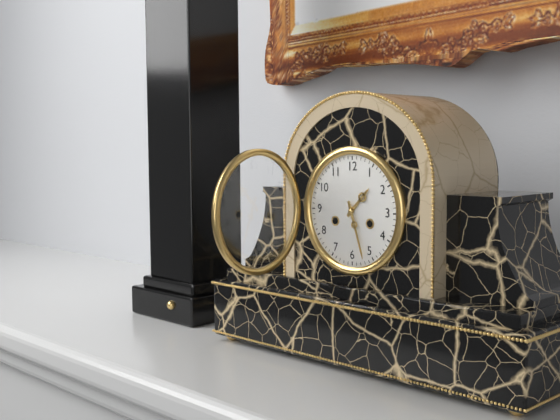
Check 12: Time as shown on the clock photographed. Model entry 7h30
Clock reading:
1h27
